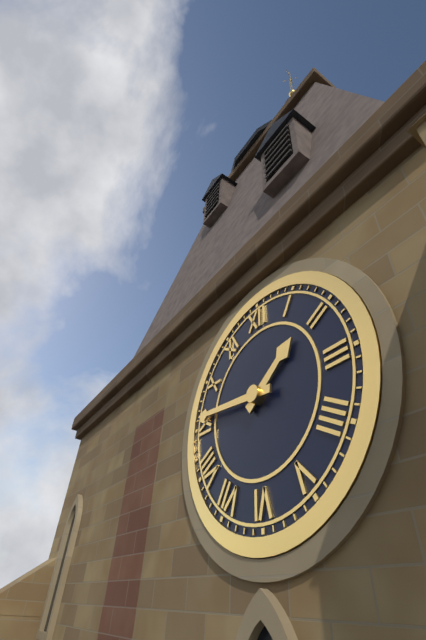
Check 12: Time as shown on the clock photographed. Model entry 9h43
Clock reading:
1h46
